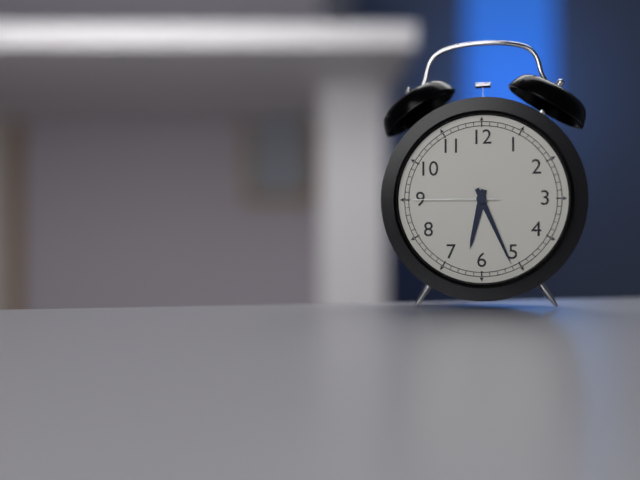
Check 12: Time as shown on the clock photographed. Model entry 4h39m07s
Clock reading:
6h26m45s
